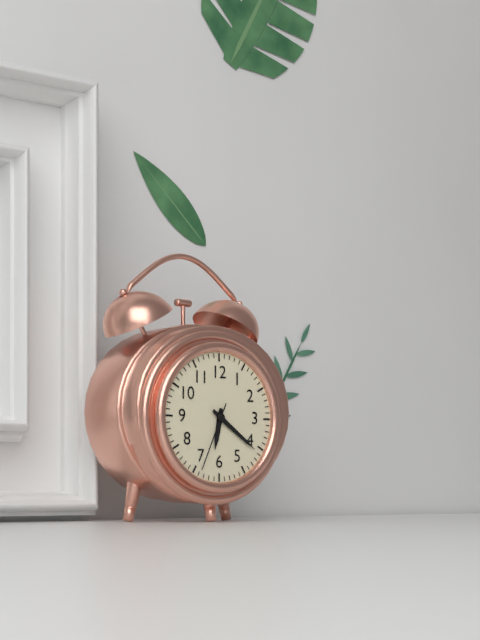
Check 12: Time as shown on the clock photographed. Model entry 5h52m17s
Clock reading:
6h21m34s
